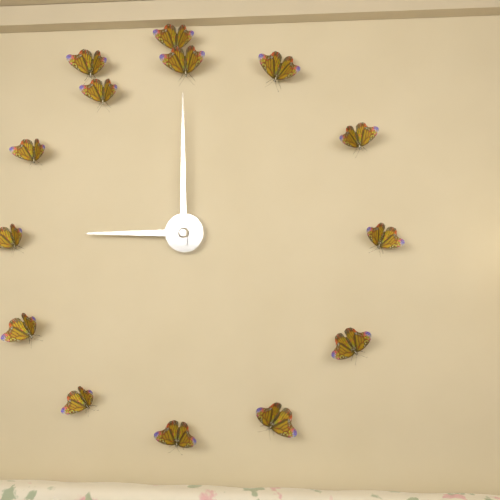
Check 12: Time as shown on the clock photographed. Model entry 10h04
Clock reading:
9h00
